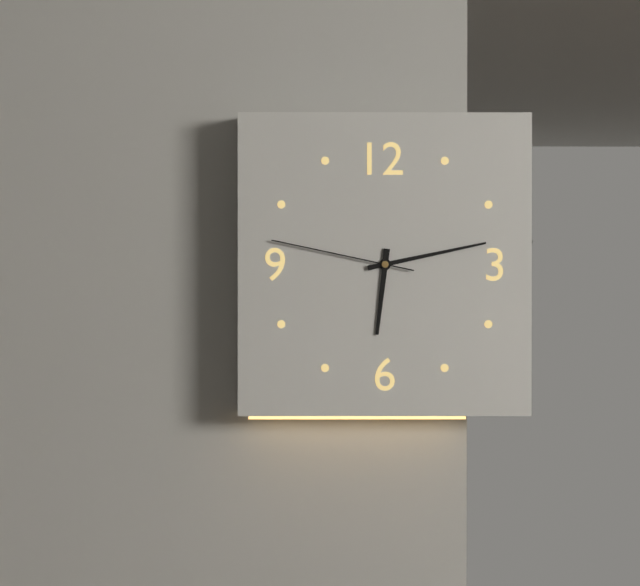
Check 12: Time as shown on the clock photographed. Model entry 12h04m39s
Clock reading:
6h13m47s
